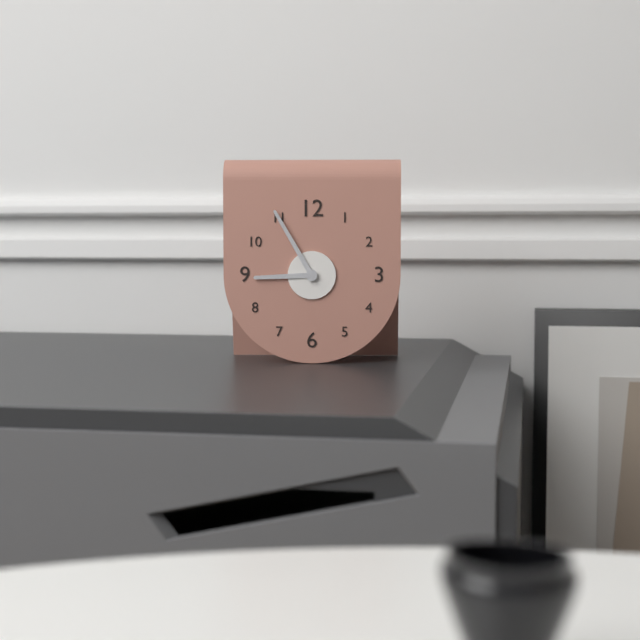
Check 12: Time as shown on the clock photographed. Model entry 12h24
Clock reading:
8h55
